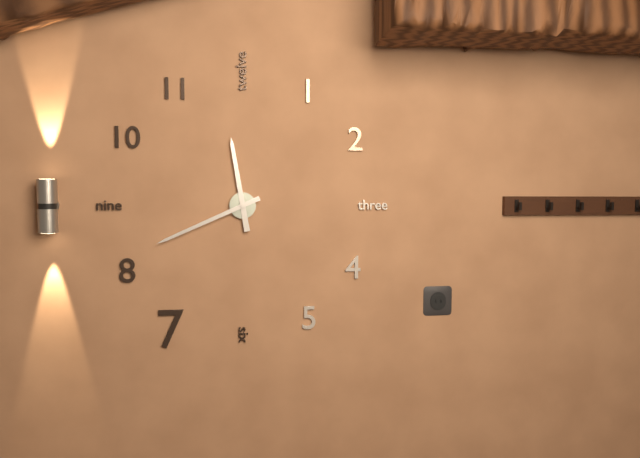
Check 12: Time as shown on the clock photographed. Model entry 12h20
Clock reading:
11h41
